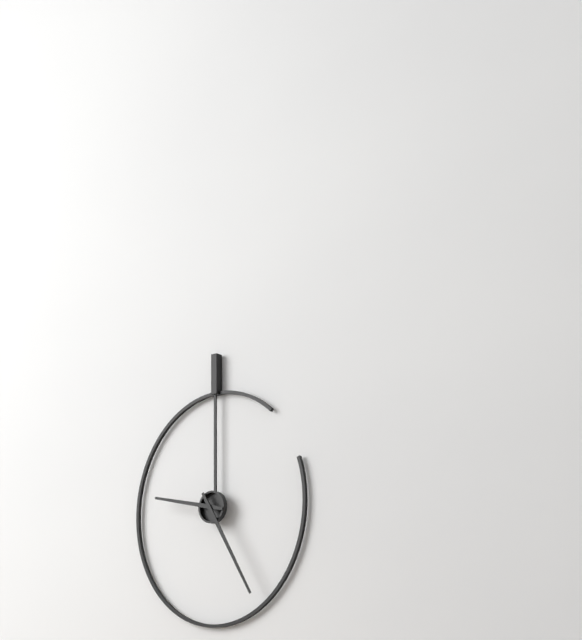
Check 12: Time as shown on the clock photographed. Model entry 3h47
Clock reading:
9h25
